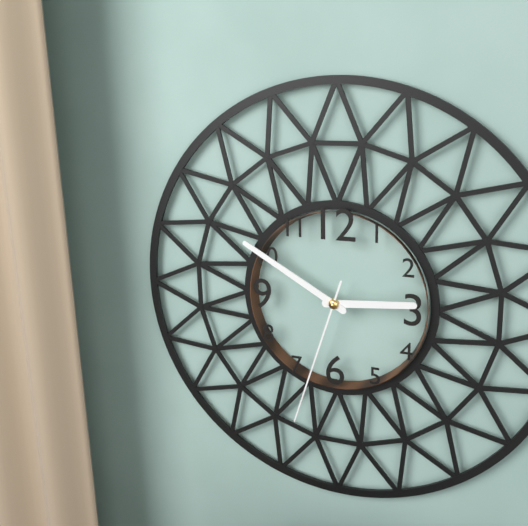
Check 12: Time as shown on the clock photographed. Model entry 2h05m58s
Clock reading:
2h50m33s
